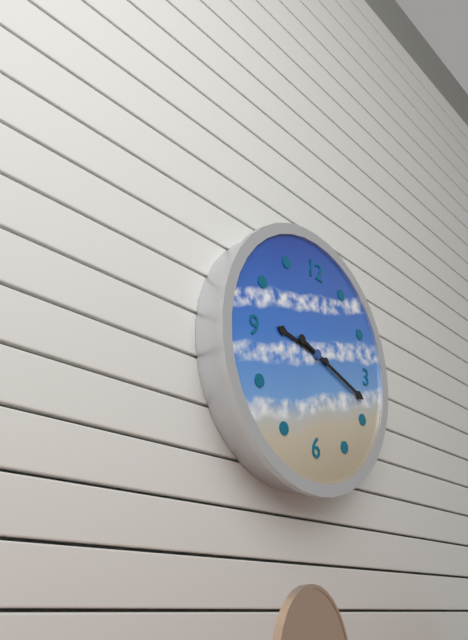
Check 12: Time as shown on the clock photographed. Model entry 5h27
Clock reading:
9h18
